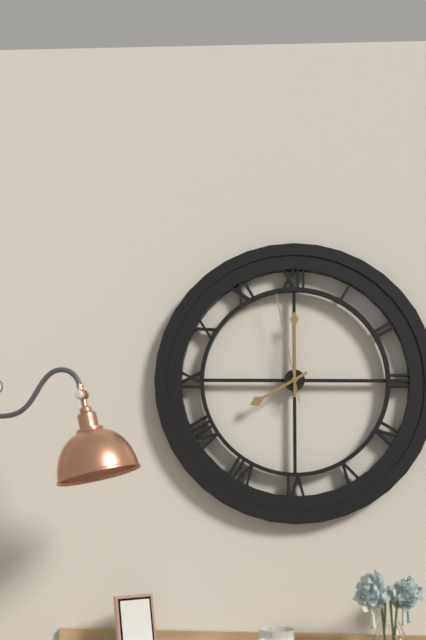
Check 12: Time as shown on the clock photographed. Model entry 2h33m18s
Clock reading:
8h00m58s
